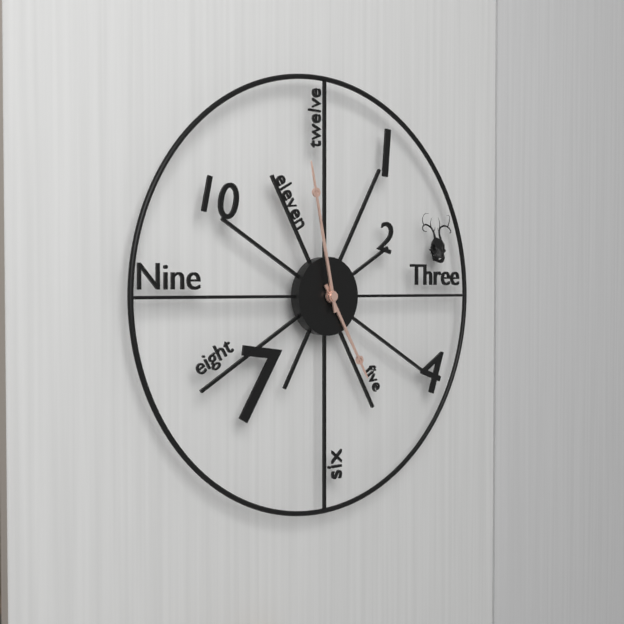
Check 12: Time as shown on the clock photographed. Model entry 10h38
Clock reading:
4h58
